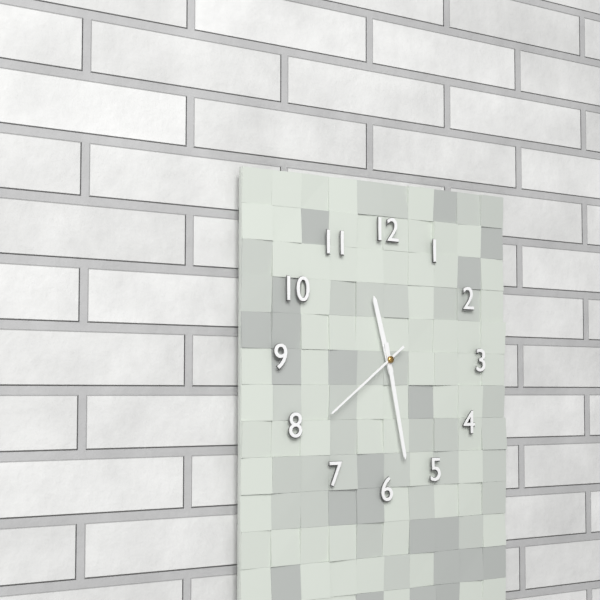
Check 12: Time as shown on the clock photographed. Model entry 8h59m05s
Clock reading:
11h28m39s
